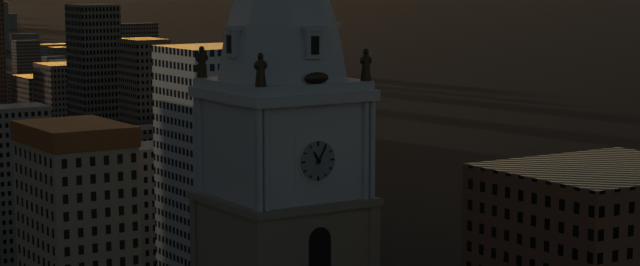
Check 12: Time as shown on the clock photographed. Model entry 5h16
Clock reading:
11h05
